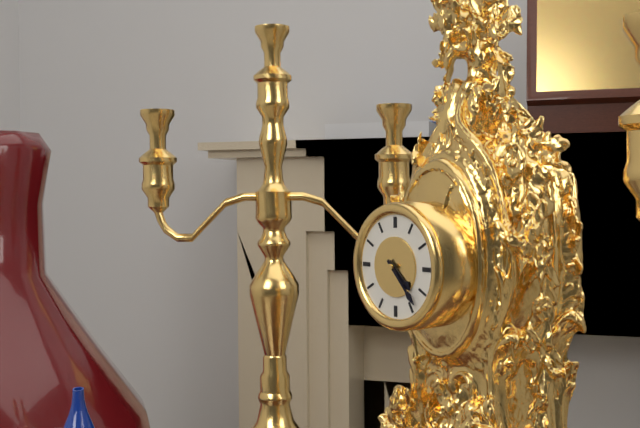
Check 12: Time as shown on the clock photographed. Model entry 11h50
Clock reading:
4h23
